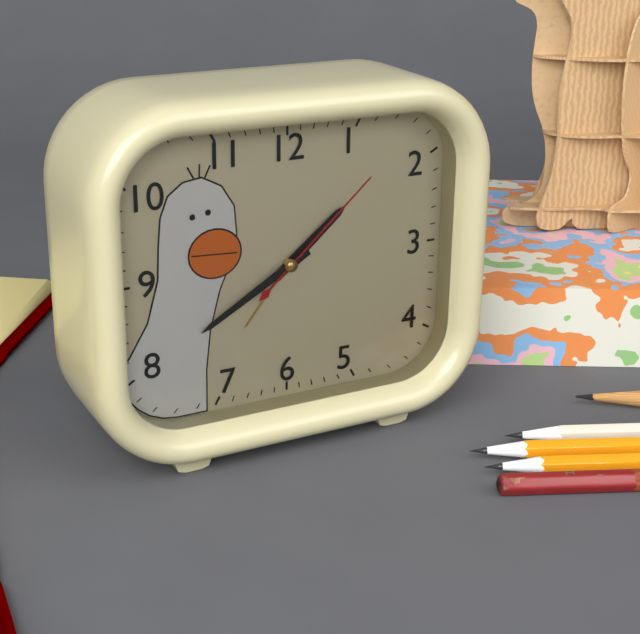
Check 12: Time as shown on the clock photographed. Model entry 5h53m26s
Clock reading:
1h40m08s
